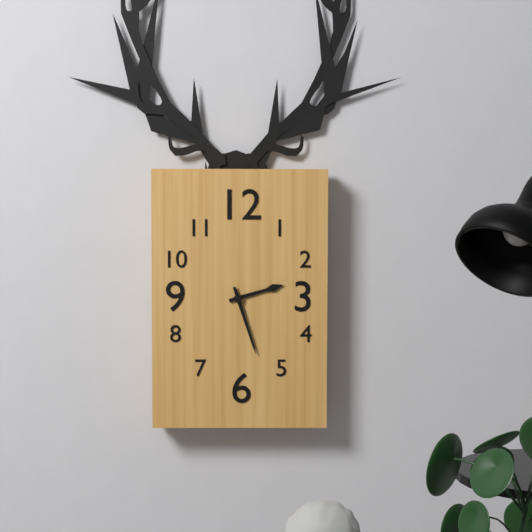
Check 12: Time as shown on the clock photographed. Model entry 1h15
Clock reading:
2h27
